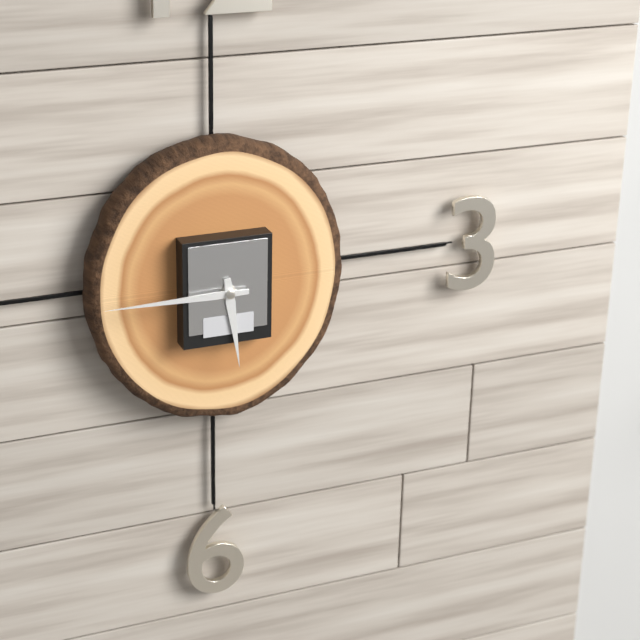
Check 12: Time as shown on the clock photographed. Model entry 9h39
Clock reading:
5h45
